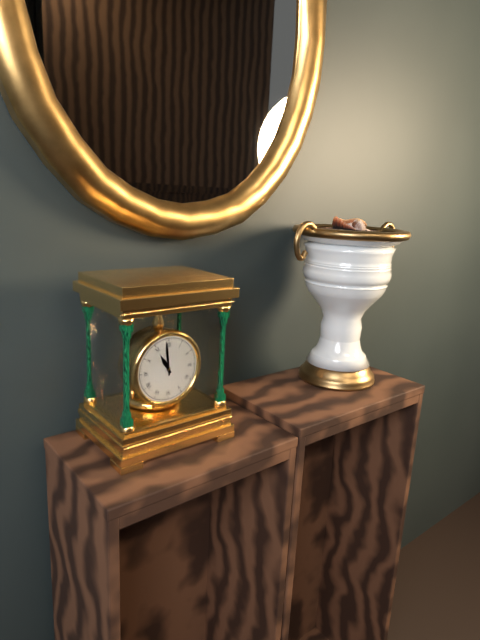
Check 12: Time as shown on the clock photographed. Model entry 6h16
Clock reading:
10h59
